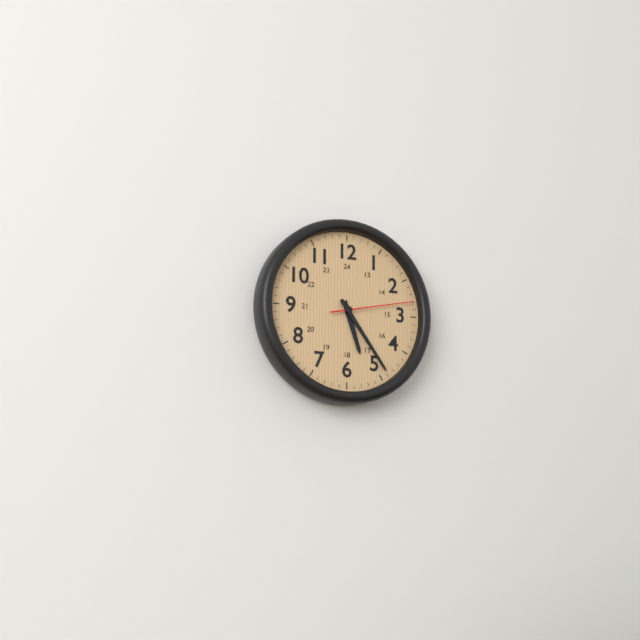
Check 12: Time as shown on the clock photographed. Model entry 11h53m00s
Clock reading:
5h24m13s
